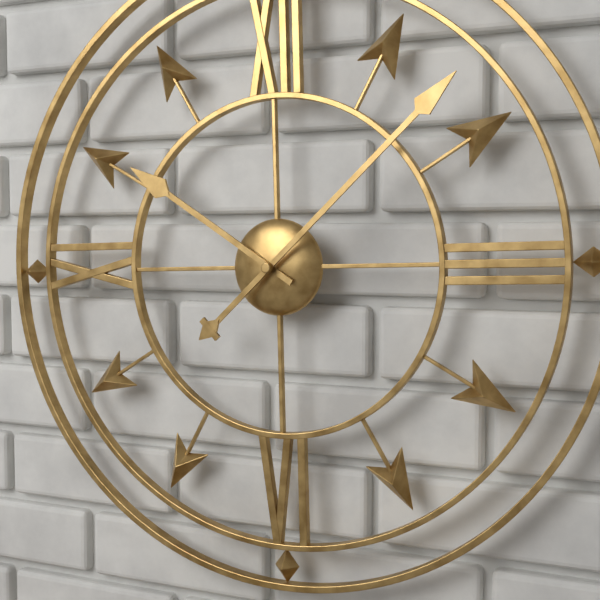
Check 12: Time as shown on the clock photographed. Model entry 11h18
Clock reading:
10h08
